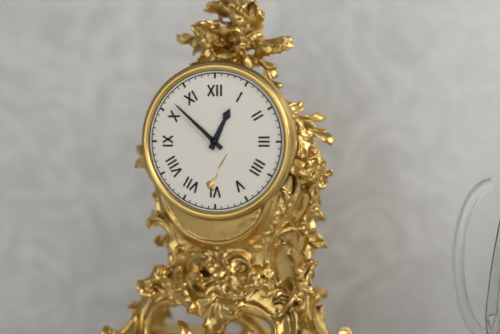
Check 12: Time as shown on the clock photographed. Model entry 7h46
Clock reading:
12h52
